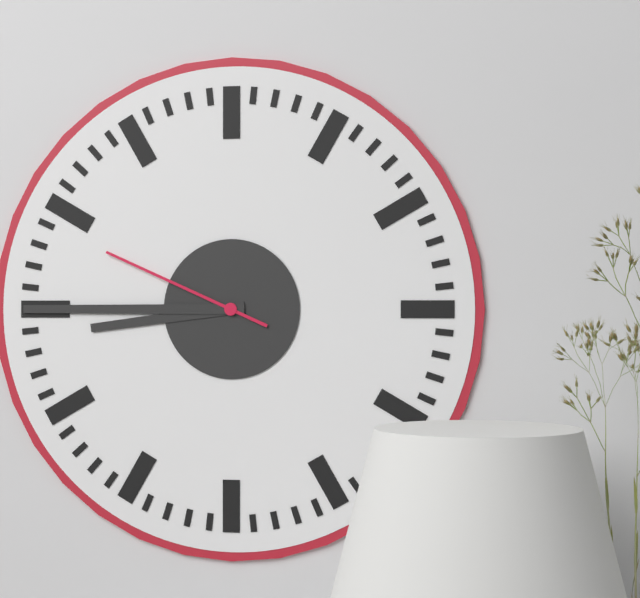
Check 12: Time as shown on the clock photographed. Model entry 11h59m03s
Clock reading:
8h45m49s
